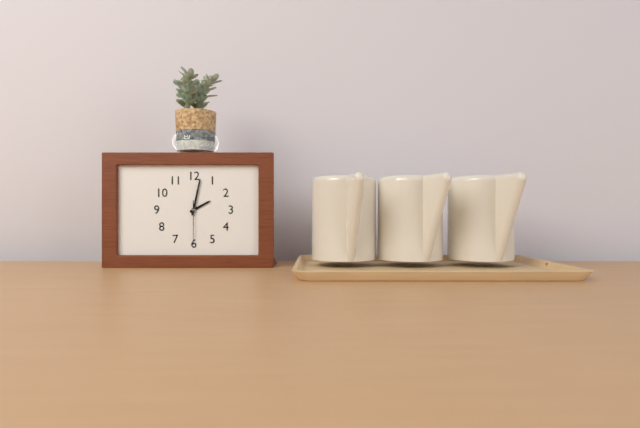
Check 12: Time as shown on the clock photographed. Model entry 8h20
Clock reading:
2h02
